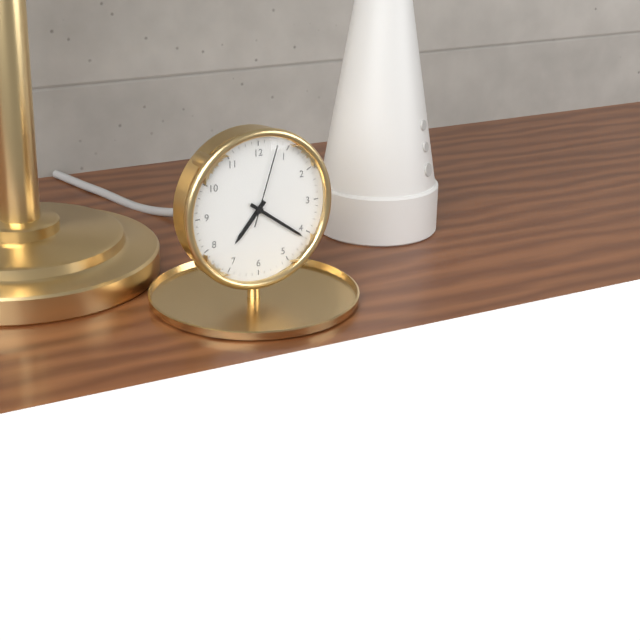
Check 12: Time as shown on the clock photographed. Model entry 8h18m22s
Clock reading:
7h21m03s
